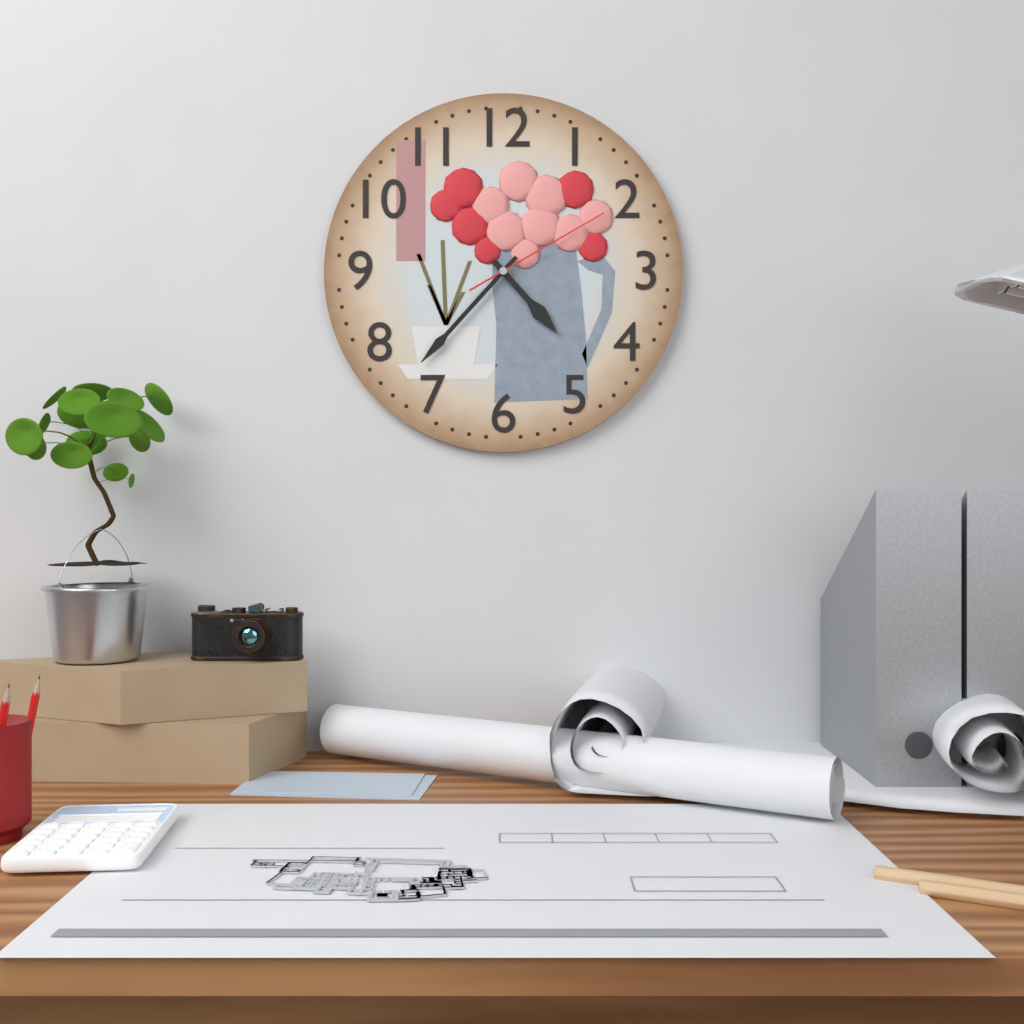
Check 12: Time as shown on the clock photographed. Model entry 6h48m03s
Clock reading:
4h37m10s
